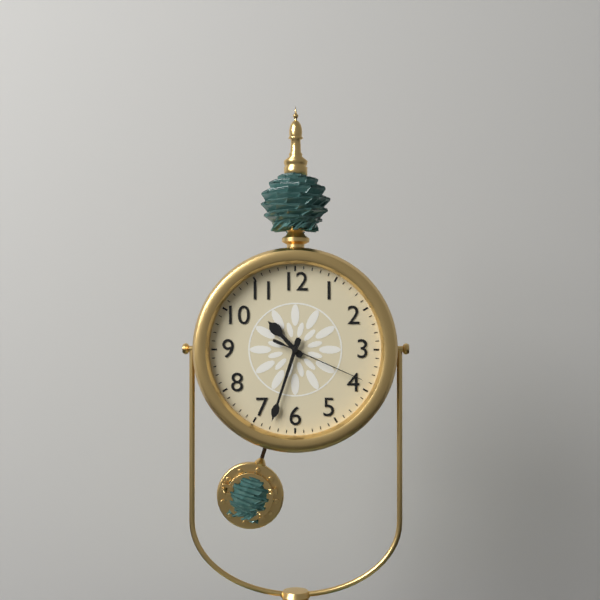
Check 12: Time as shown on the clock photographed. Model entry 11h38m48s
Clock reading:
10h33m19s
